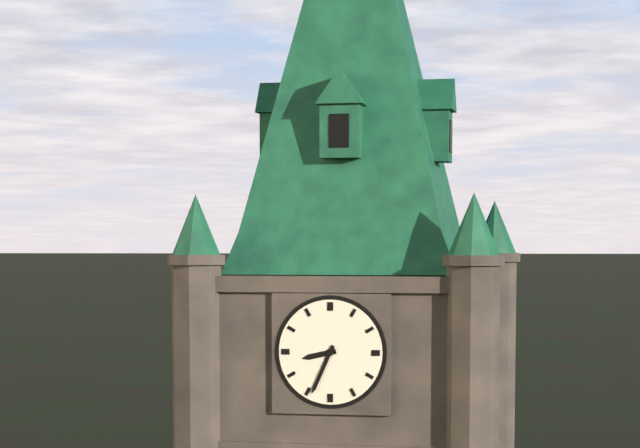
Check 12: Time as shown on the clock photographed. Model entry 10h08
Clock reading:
8h34
